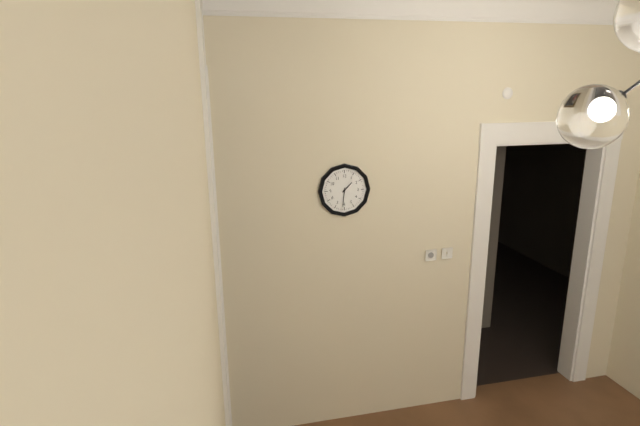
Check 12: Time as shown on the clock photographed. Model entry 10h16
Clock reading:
1h31
